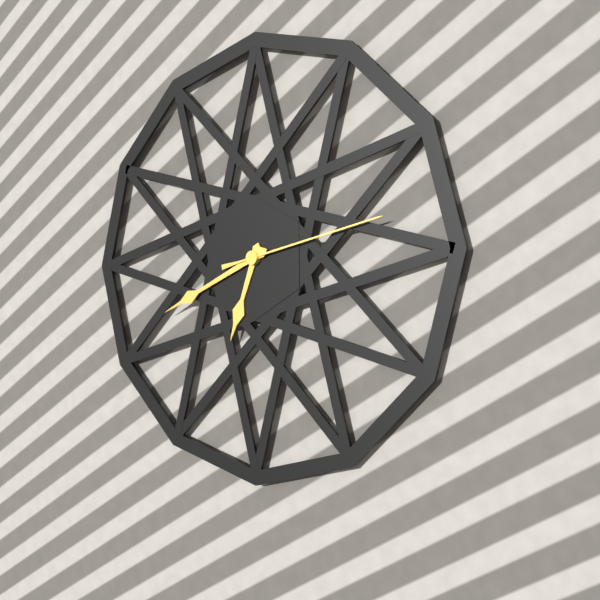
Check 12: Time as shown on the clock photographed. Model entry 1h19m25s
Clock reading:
6h41m13s
